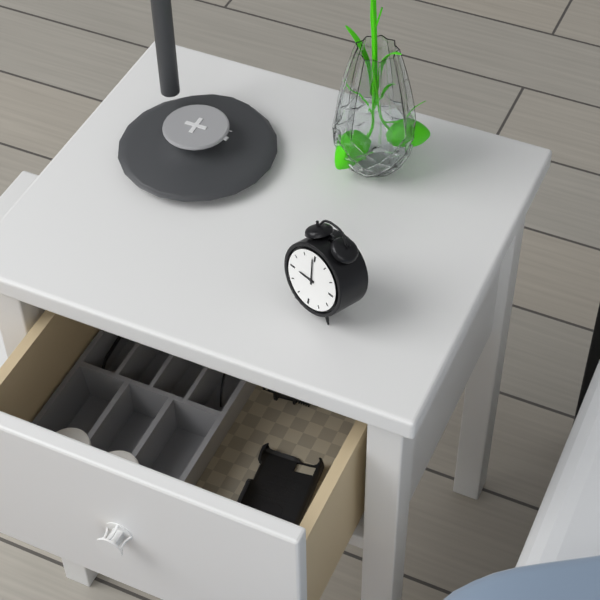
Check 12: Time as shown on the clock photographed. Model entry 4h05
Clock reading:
8h59
